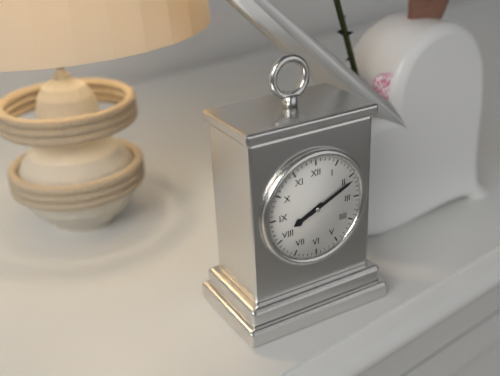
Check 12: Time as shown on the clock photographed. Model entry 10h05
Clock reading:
8h11
